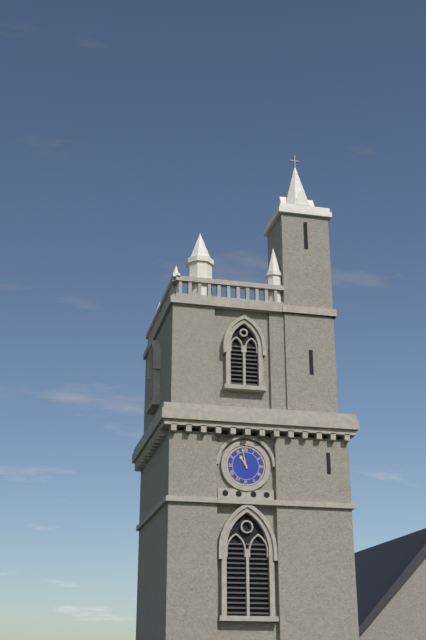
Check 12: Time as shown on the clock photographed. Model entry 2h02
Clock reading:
10h58
